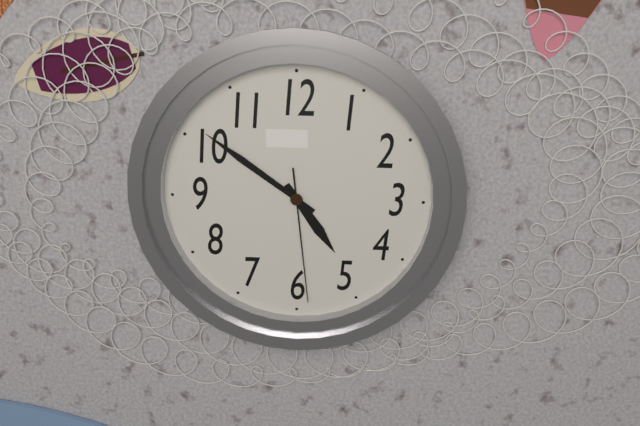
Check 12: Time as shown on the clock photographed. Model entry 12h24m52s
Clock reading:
4h51m29s
